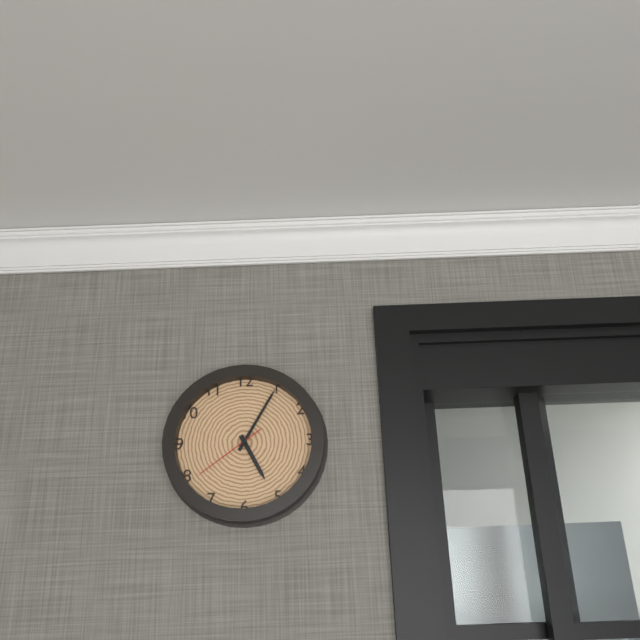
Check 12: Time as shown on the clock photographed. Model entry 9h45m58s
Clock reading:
5h05m39s
